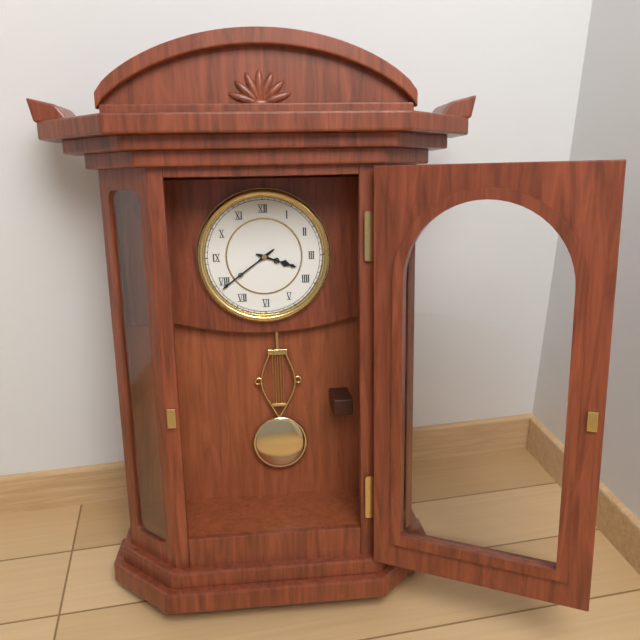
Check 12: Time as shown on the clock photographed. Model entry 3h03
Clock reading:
3h39
